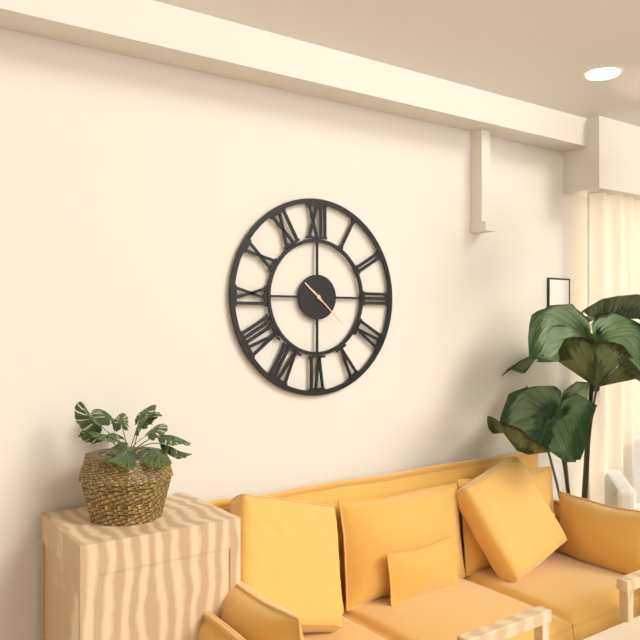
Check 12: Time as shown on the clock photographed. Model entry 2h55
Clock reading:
10h22
